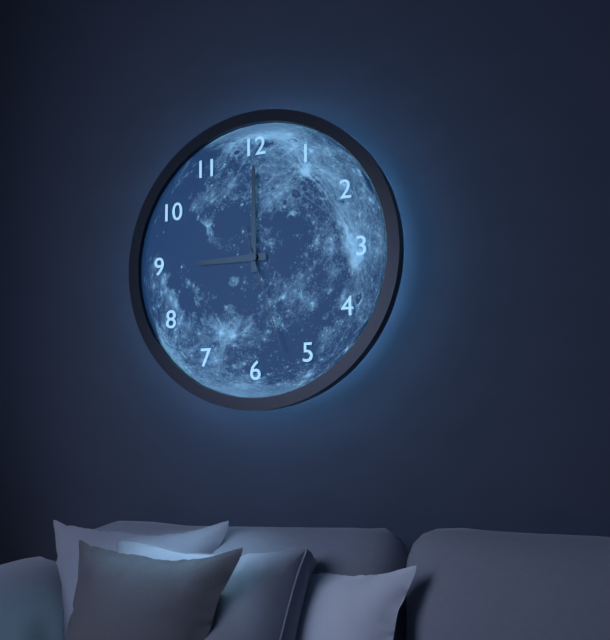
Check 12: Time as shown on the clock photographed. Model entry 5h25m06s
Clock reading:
9h00m27s
